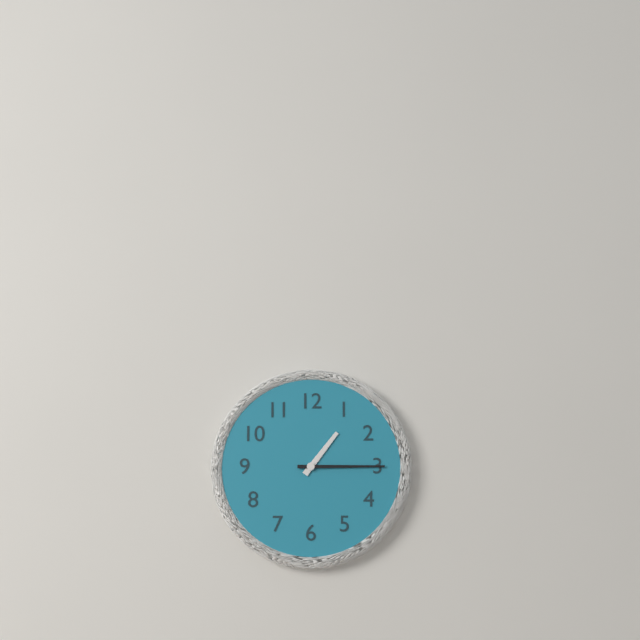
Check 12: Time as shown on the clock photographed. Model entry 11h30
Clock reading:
1h15
